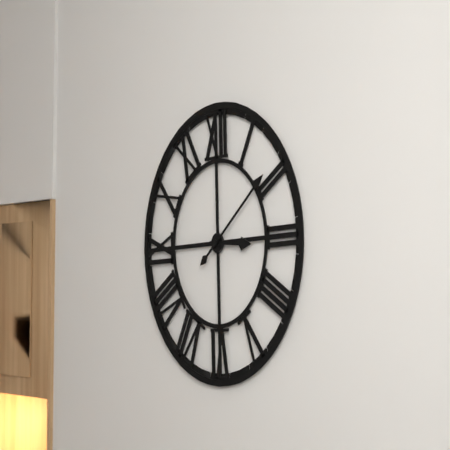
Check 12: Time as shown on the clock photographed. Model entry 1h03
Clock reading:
3h09
